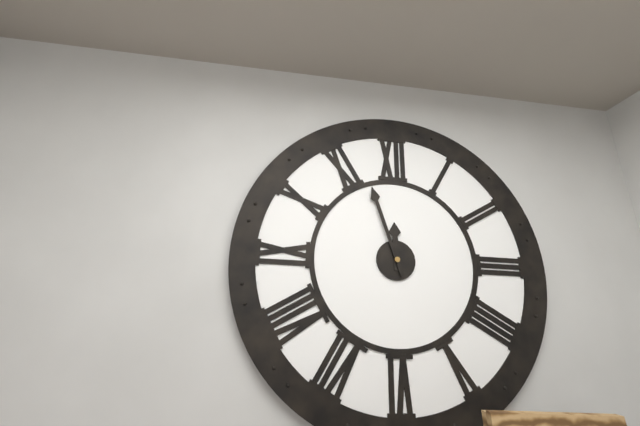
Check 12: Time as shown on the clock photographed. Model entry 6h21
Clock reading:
11h57
